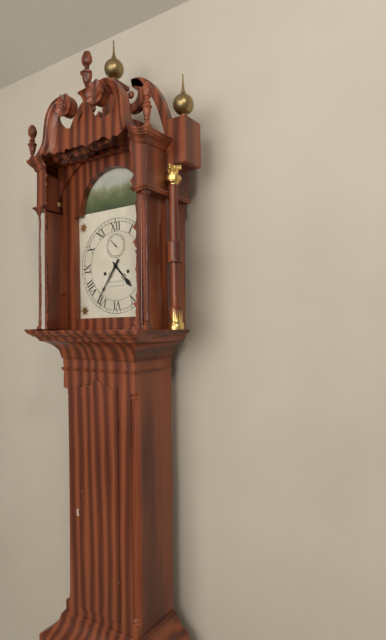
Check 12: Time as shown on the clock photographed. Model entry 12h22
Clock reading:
4h36
